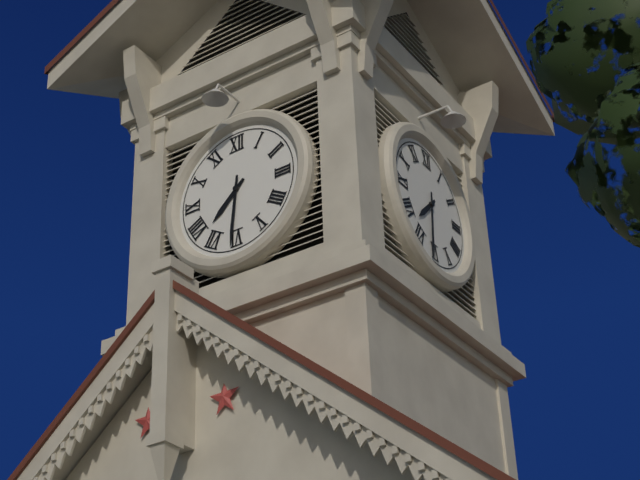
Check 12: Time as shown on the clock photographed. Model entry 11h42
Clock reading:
7h31
